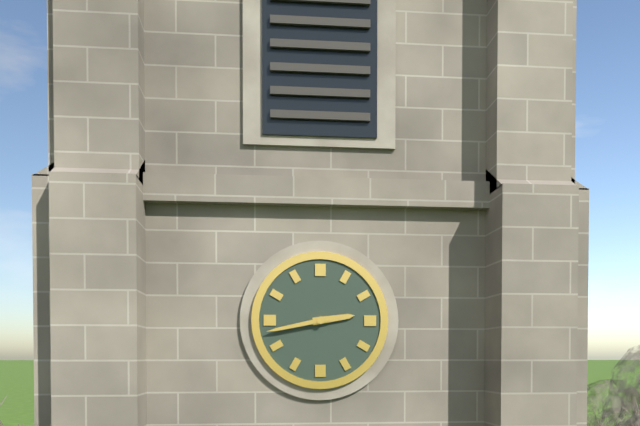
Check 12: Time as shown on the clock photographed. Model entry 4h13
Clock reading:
2h43
